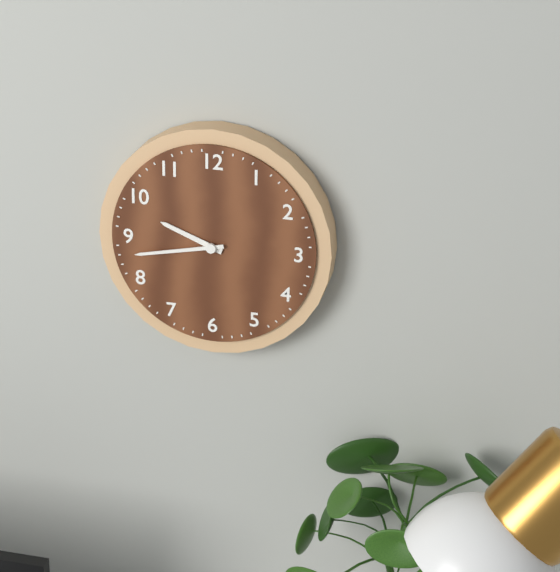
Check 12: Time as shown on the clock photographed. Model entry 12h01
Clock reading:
9h43
